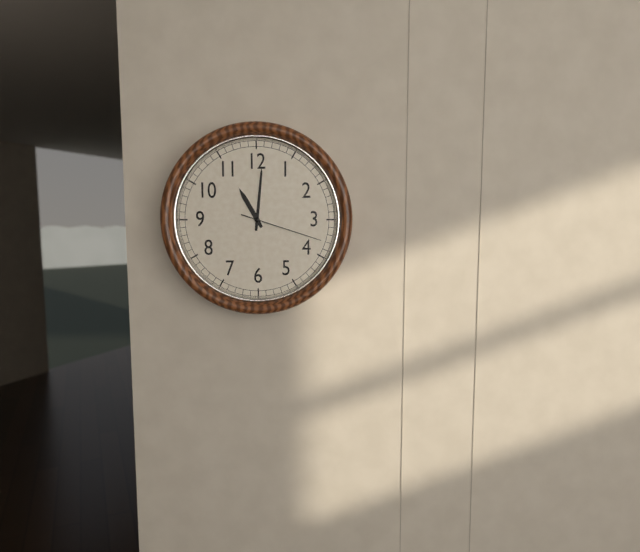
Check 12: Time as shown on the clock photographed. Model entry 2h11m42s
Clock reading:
11h01m18s
